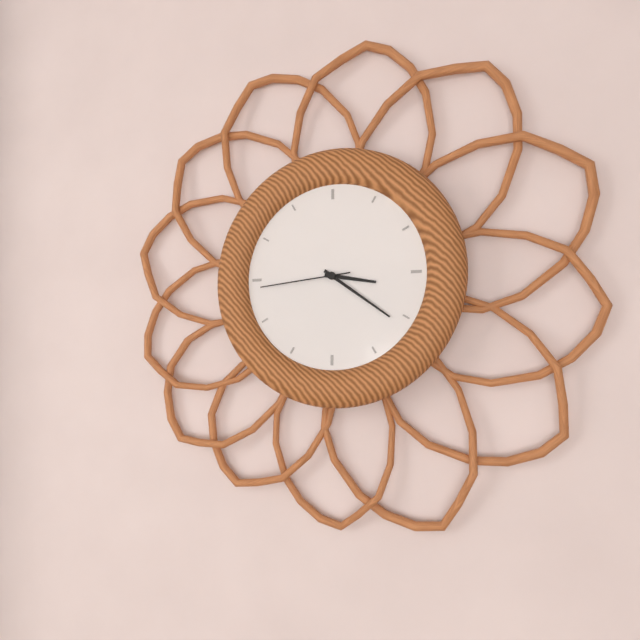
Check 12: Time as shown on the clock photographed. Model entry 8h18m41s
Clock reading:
3h21m44s
